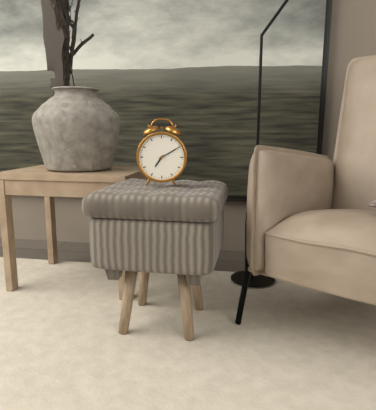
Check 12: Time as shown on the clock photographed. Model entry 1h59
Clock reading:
7h10
